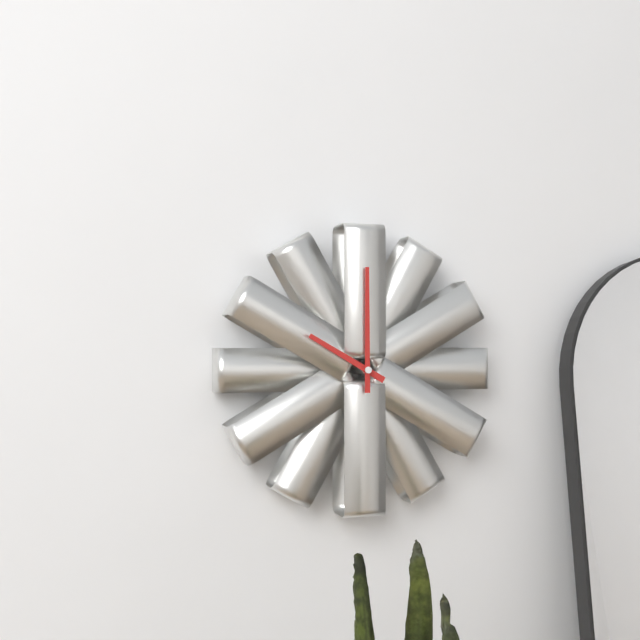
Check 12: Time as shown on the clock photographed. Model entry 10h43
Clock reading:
10h00
